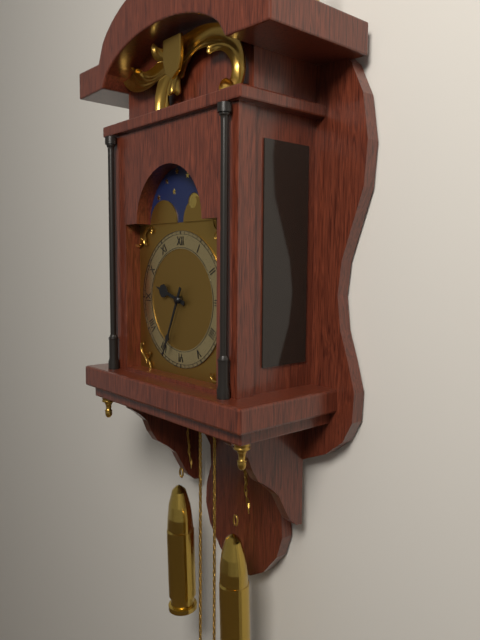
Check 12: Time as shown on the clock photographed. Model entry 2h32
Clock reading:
9h34
